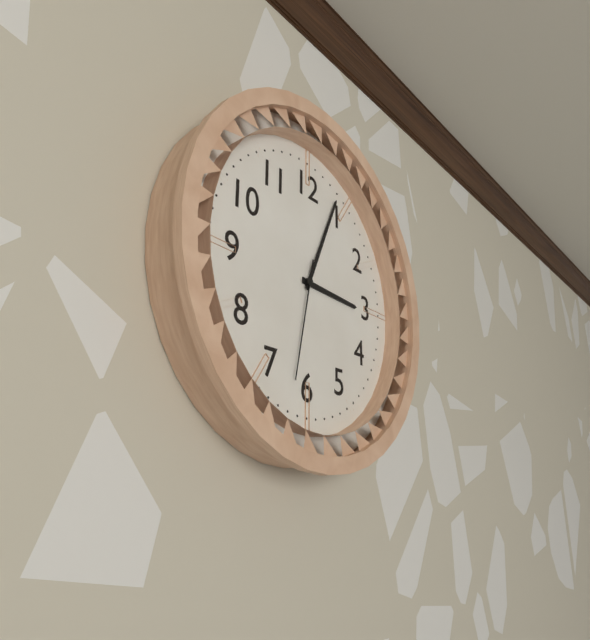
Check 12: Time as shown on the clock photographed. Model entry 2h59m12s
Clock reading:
3h04m32s
